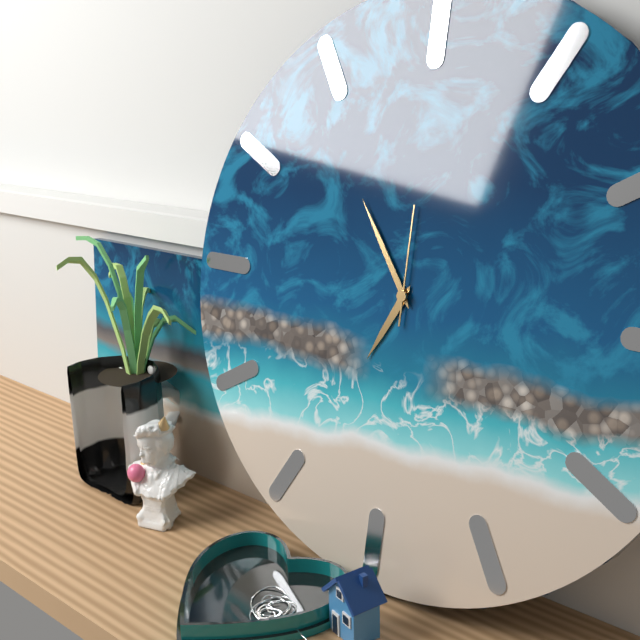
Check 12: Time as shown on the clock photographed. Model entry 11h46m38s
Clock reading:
6h54m00s
